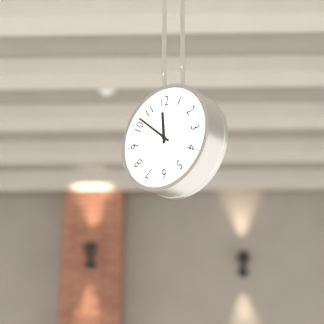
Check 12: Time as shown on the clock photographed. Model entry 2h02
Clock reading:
11h52
